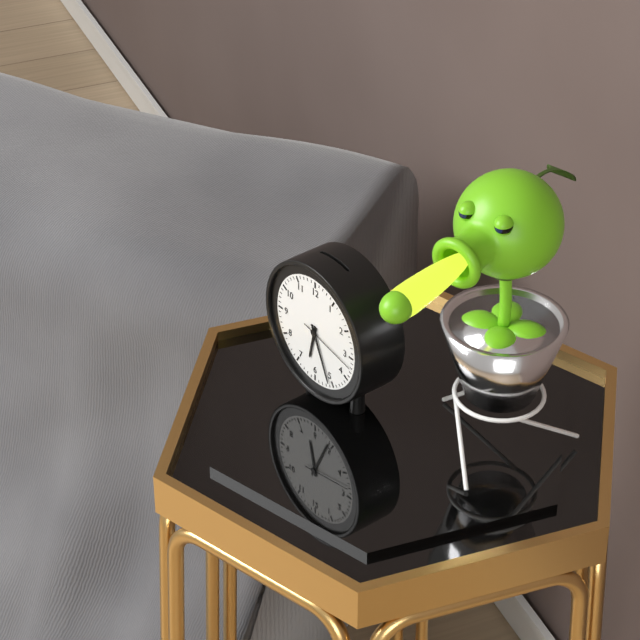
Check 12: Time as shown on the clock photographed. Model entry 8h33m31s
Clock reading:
6h26m17s
